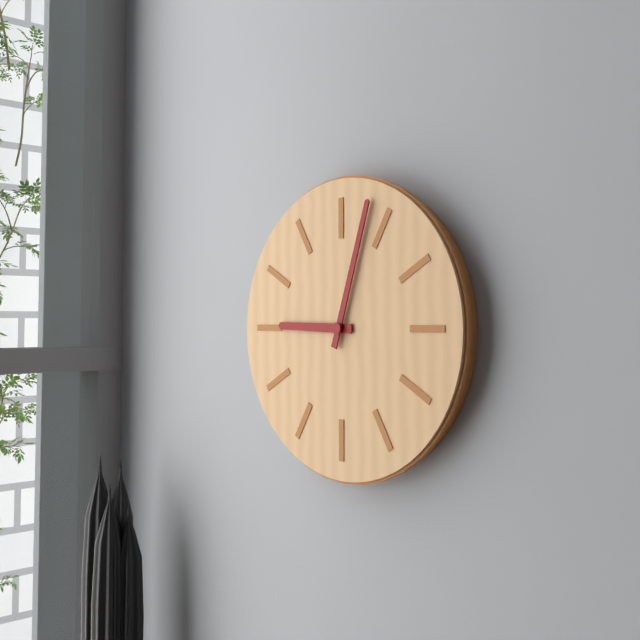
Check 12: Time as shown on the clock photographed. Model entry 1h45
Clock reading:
9h03
